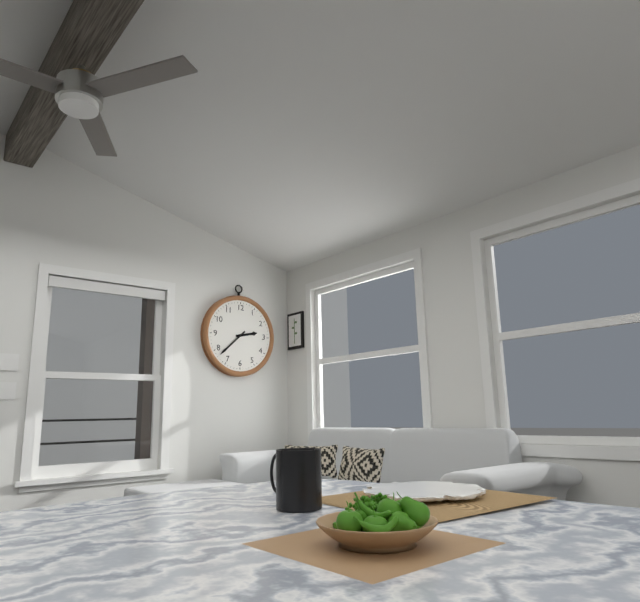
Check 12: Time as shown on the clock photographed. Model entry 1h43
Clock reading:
2h38
